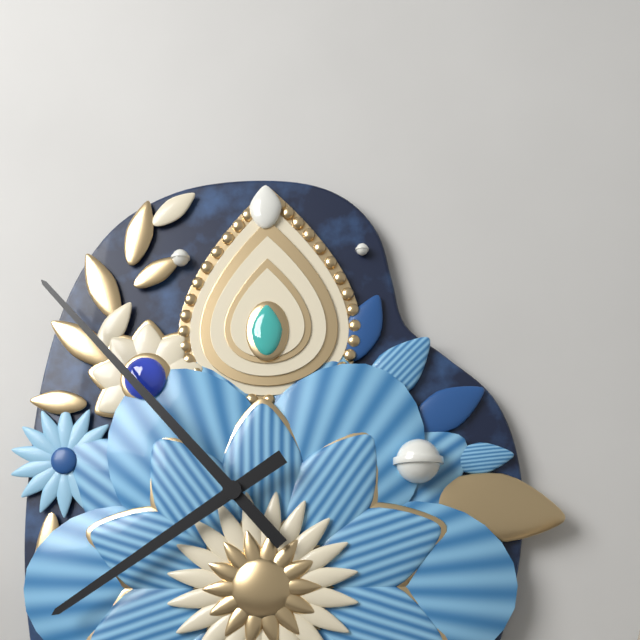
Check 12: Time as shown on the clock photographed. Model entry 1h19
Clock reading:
7h53
